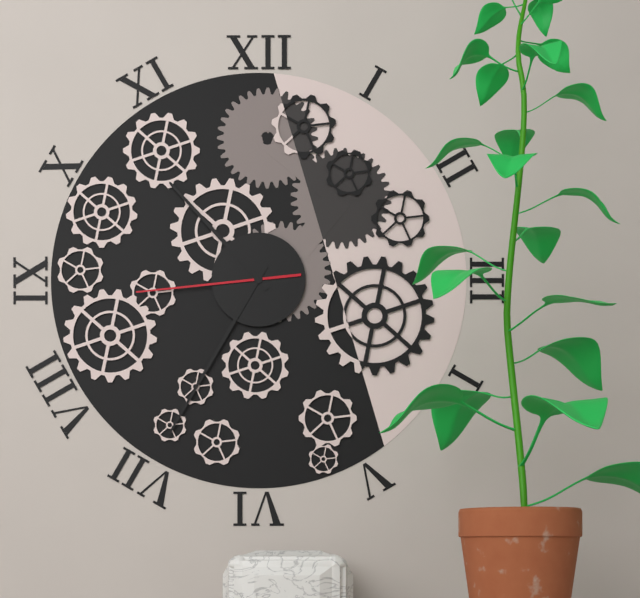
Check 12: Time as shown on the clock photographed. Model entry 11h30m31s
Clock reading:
10h35m44s
